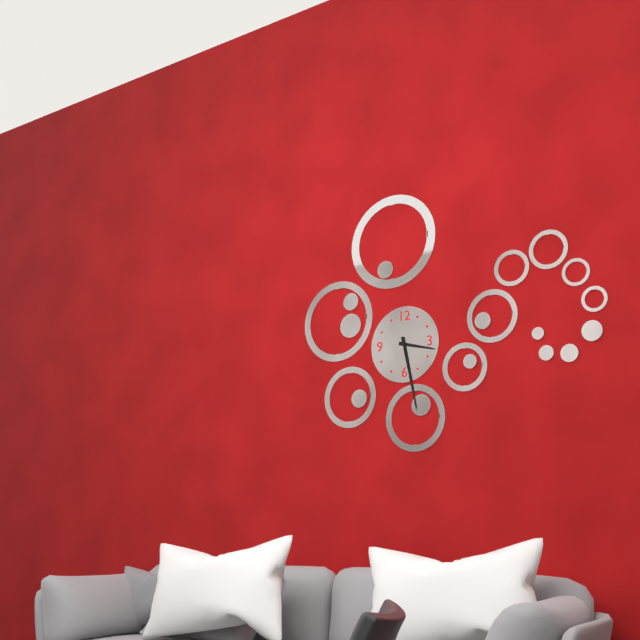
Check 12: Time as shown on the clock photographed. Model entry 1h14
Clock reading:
3h28
